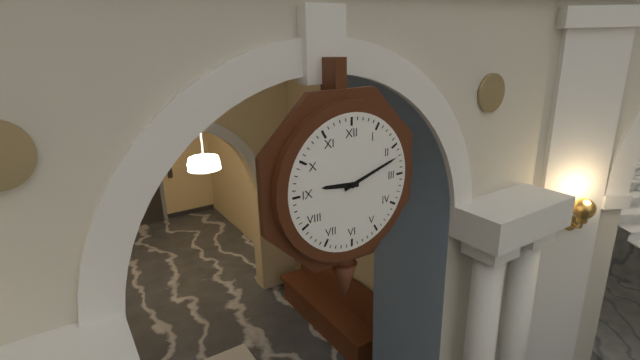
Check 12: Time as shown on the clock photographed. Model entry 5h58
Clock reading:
9h12
